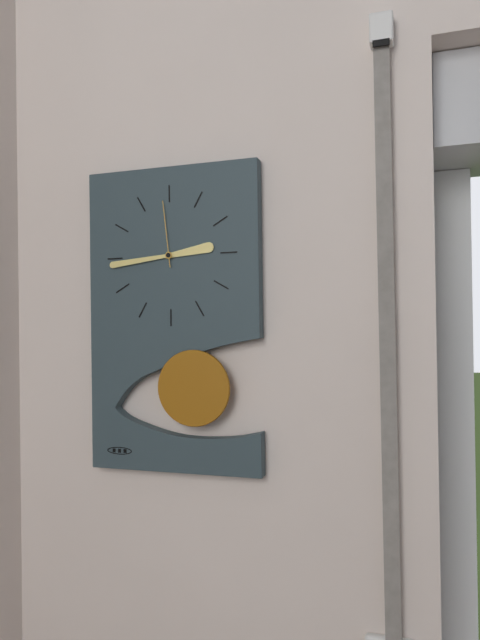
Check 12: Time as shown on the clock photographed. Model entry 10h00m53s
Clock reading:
2h44m59s
